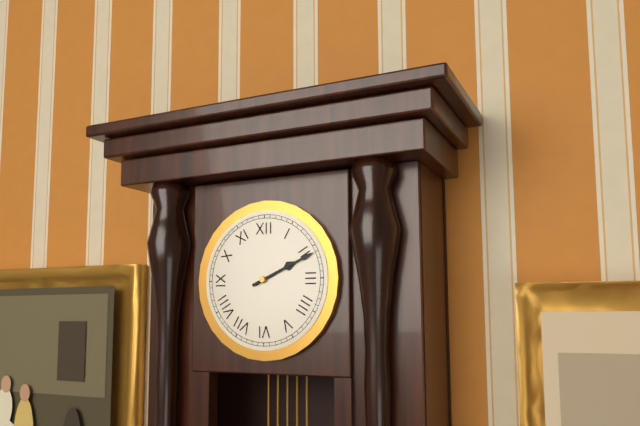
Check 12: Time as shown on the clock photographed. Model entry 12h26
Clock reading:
2h11
